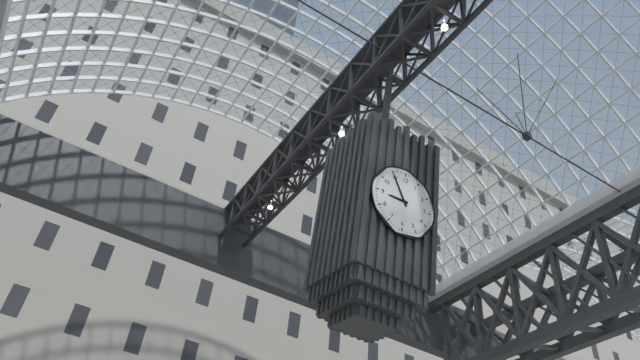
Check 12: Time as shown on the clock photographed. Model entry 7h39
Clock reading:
8h55
